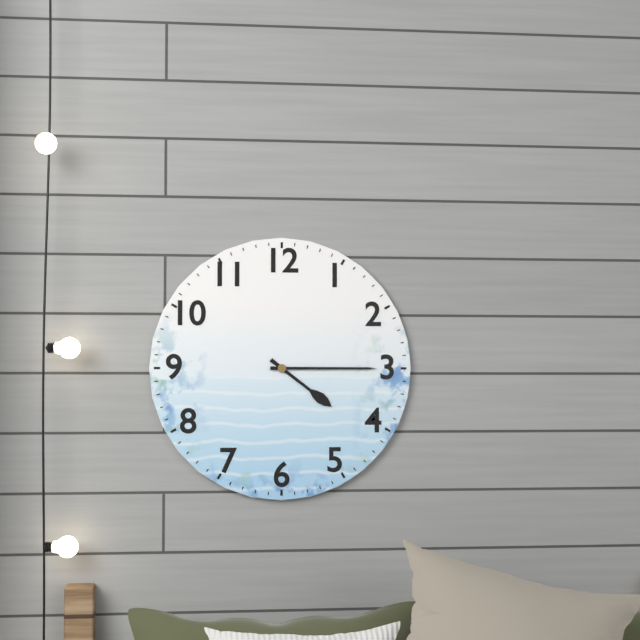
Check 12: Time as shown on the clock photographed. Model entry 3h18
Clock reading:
4h15
